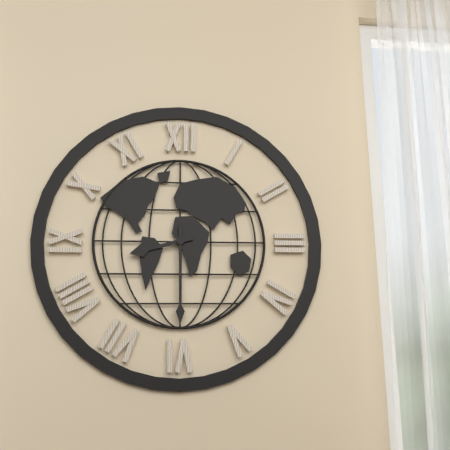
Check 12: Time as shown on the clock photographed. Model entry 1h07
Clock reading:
8h30
